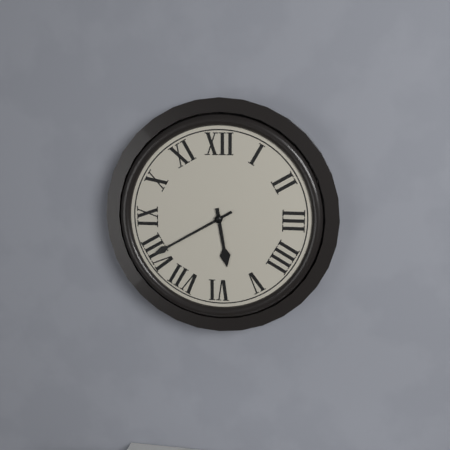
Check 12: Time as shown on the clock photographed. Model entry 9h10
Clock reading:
5h40
